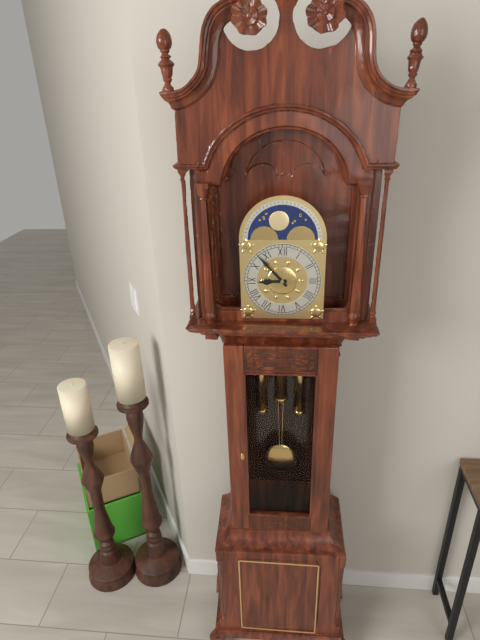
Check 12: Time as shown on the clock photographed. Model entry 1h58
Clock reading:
8h53
